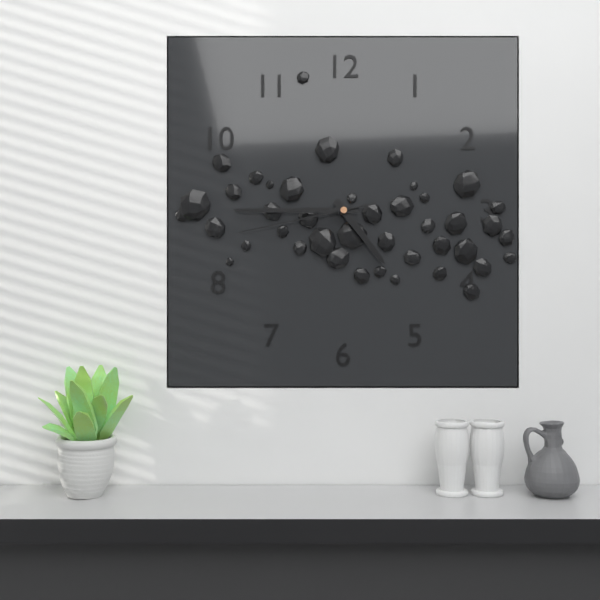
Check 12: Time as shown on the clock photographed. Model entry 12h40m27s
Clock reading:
4h45m43s
